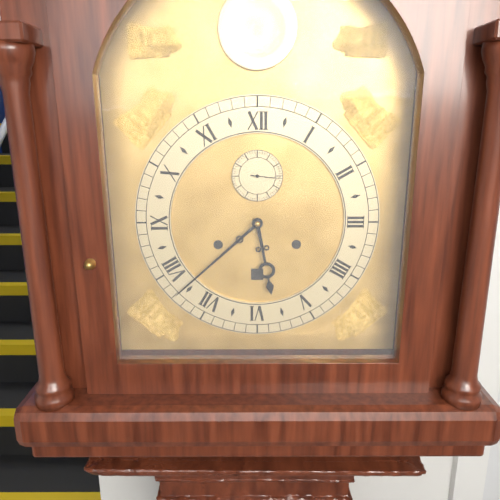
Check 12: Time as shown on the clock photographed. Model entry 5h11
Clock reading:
5h38
